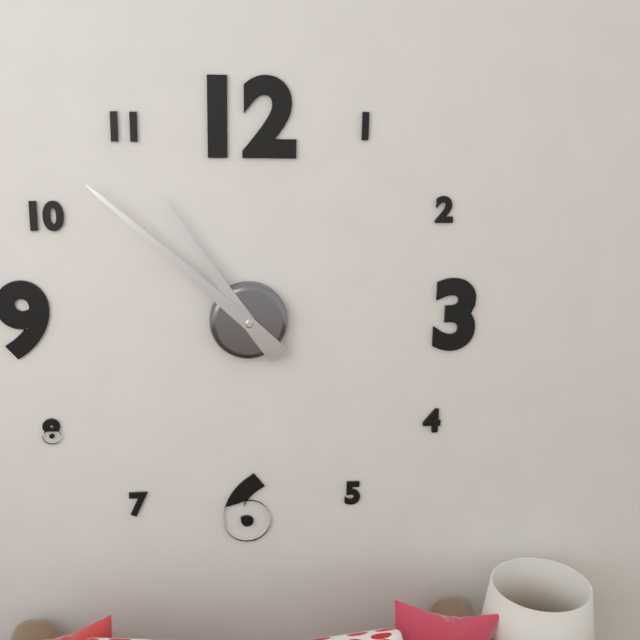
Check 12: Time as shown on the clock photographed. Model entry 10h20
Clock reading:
10h52
